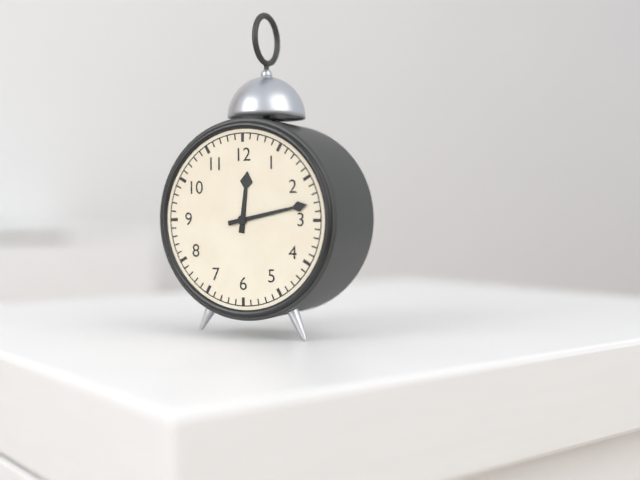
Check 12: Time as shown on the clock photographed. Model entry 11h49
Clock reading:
12h13
